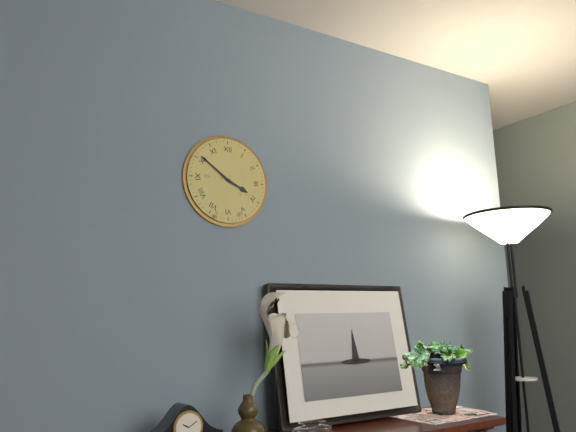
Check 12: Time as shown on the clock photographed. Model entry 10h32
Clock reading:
3h51
